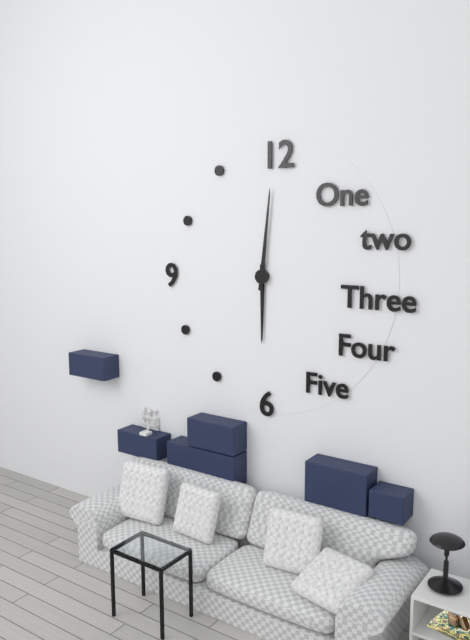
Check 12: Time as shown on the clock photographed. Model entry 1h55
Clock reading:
6h01
